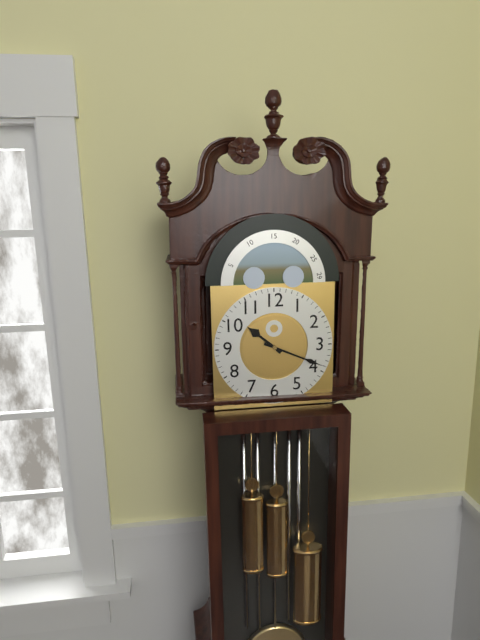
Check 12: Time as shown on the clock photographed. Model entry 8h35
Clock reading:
10h19
